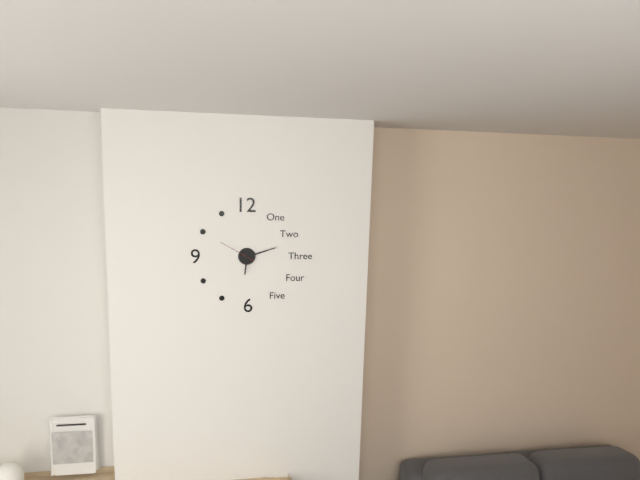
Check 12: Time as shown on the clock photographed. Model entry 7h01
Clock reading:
6h12
